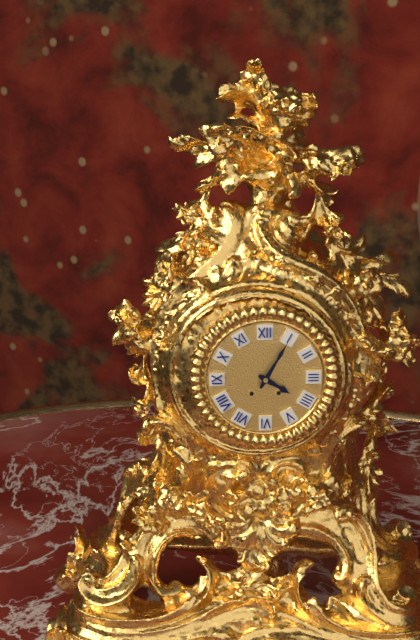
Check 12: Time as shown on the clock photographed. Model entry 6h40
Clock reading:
4h05
